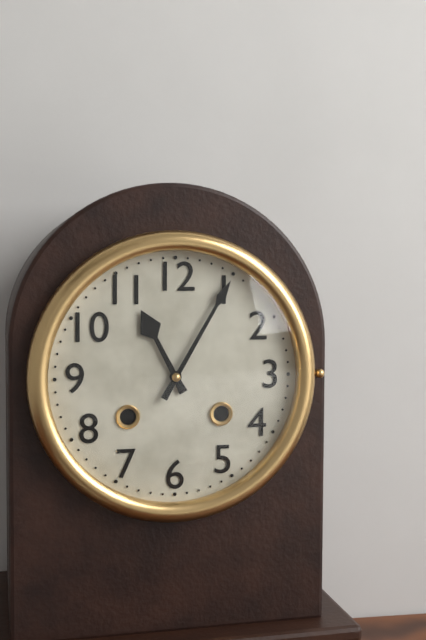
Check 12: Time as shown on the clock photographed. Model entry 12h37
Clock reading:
11h05
